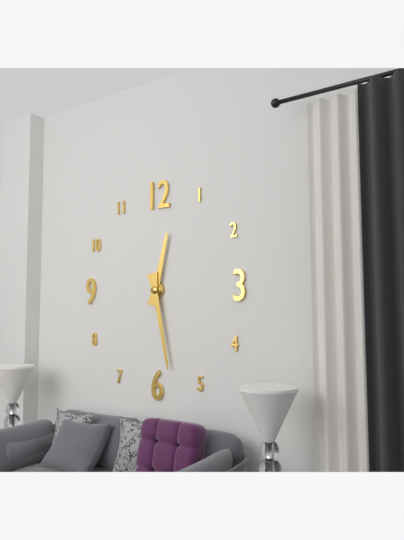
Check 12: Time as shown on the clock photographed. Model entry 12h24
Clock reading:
12h28
